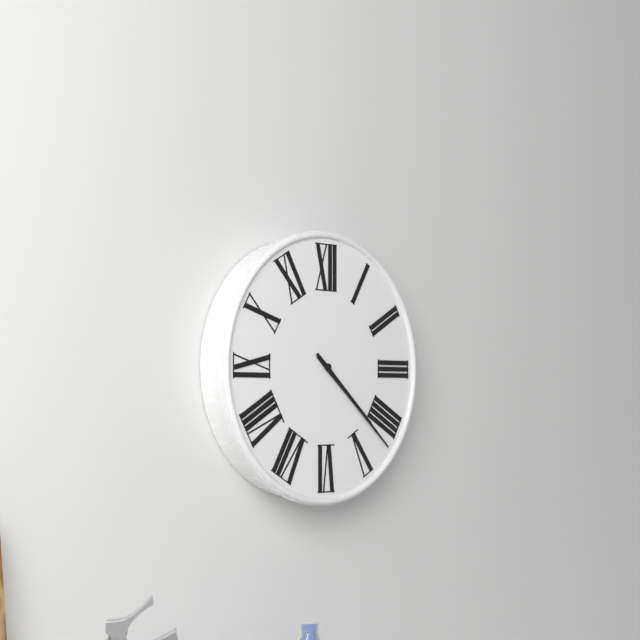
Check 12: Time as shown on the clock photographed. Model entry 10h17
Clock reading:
4h22
